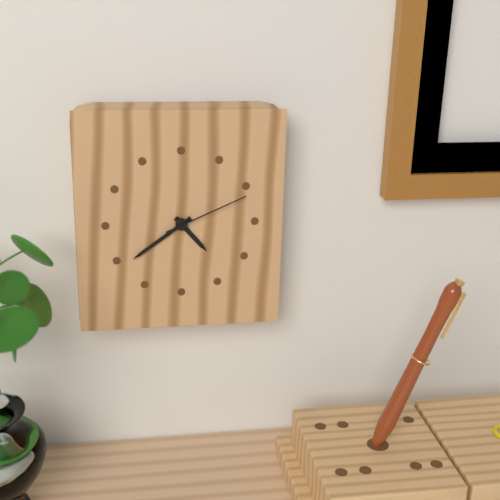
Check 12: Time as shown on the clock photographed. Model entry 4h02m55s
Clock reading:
4h39m11s
